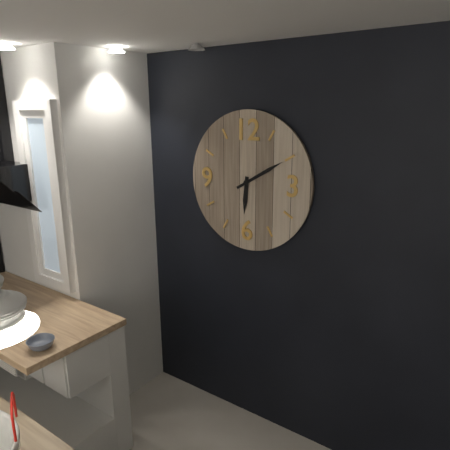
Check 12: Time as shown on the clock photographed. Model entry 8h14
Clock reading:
6h10
